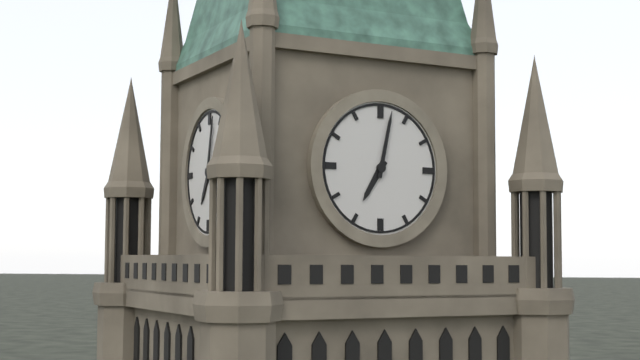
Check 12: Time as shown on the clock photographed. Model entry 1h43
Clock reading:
7h02
